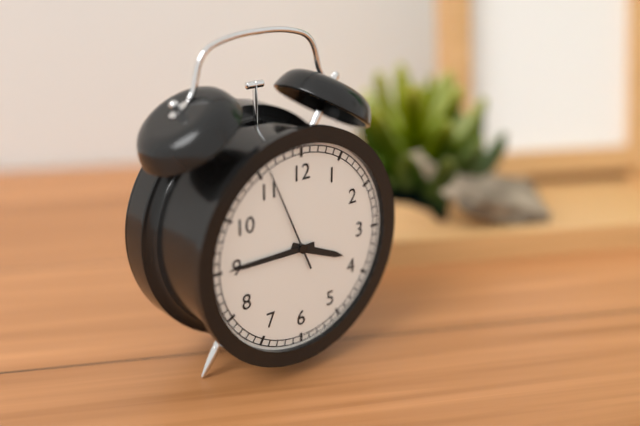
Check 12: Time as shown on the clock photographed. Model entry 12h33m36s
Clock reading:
3h45m56s
